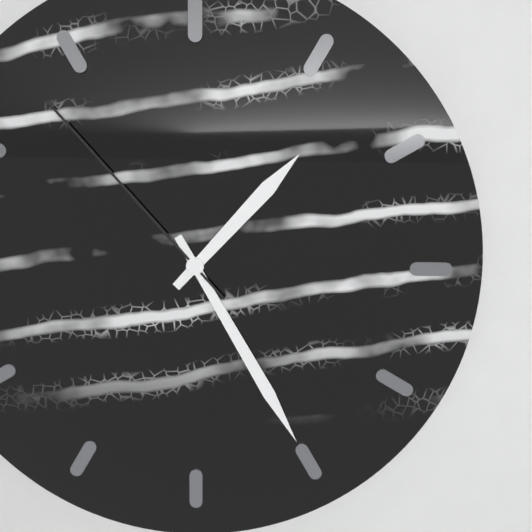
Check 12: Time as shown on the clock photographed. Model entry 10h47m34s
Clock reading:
1h25m53s
